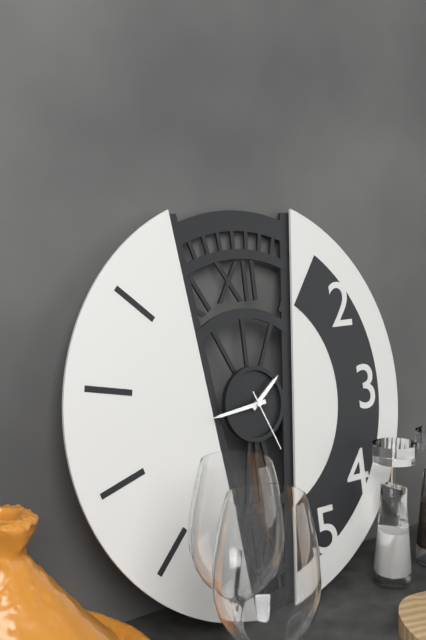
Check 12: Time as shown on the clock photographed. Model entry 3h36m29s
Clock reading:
1h44m26s
